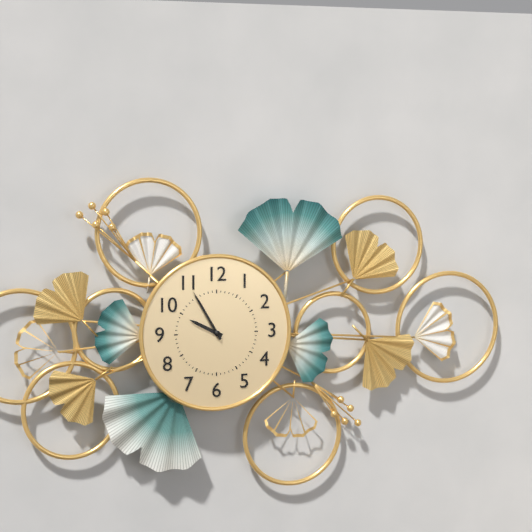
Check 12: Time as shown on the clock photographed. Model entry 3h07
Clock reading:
9h55
